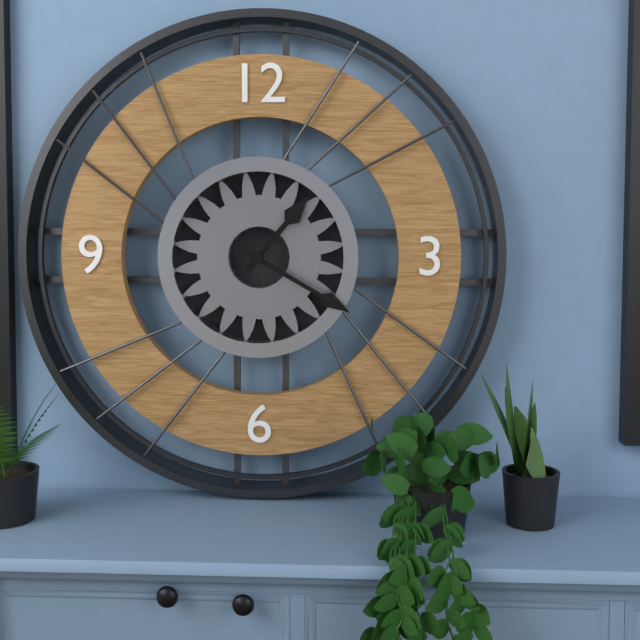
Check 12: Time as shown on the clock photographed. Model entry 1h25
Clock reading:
1h20
